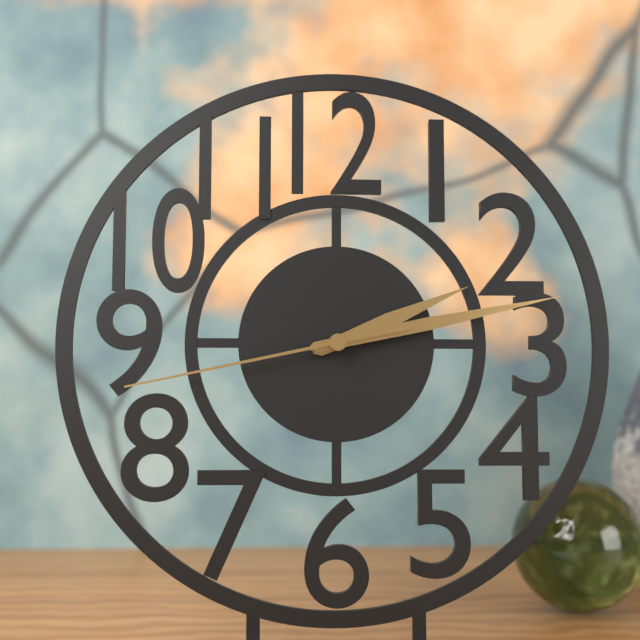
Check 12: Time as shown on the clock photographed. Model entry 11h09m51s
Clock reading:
2h13m43s
